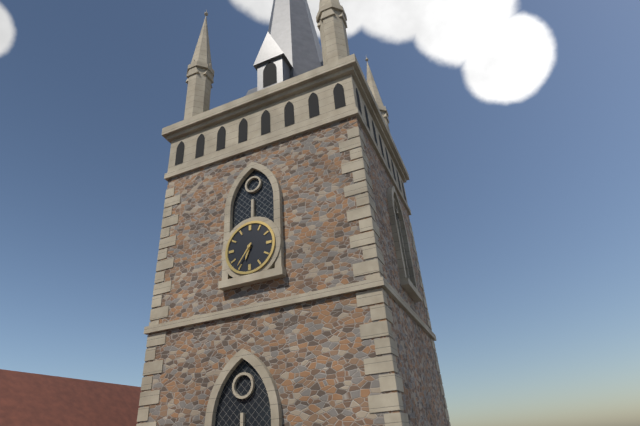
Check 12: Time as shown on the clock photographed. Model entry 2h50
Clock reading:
6h36
